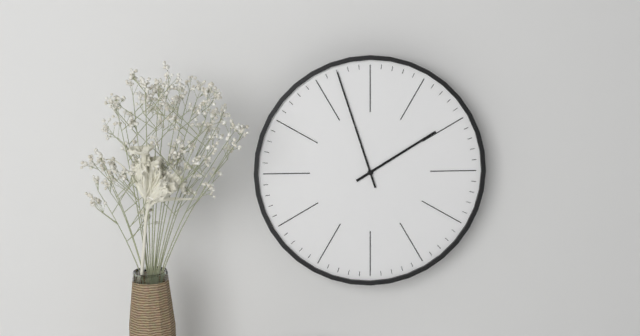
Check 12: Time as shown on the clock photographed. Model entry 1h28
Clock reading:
1h57
